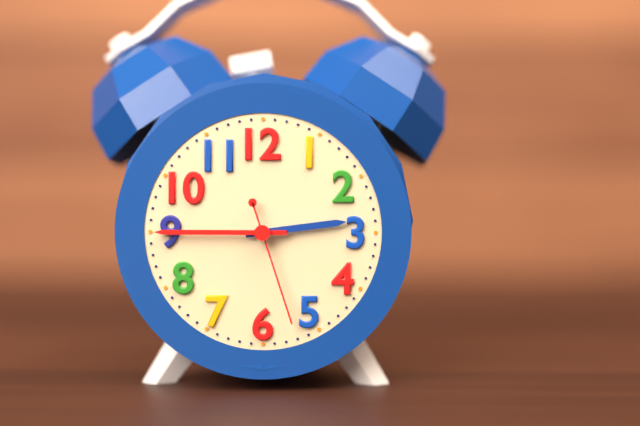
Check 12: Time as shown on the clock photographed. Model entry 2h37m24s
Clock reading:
2h45m27s
